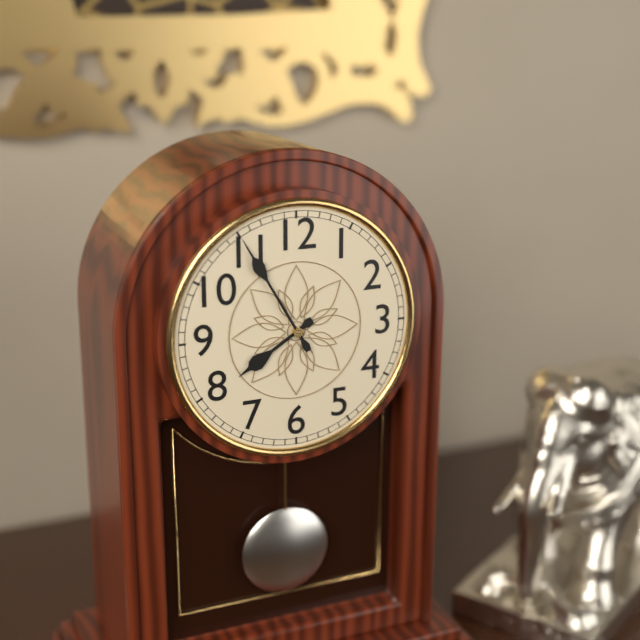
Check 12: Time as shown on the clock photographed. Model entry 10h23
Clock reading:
7h55
